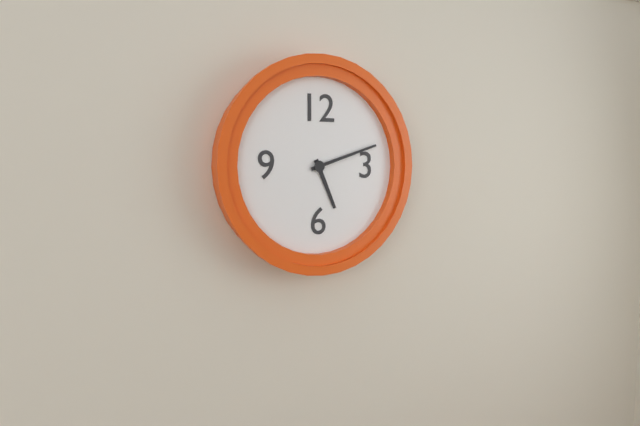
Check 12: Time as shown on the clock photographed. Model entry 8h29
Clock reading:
5h12
